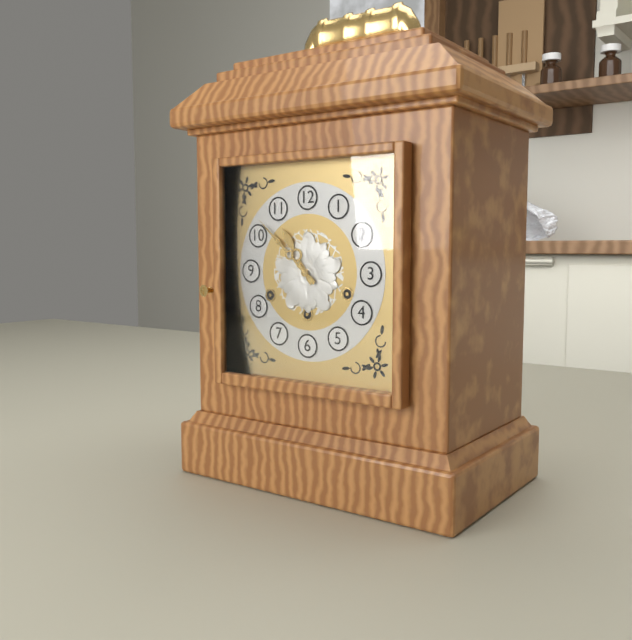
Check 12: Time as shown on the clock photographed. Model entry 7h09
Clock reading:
10h52
